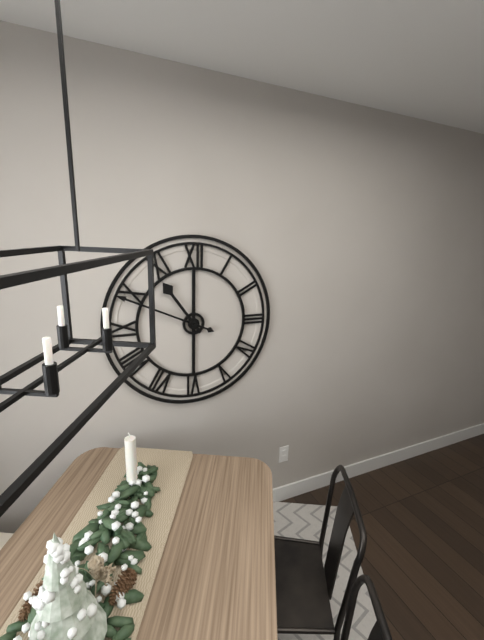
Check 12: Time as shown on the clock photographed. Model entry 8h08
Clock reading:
10h49
